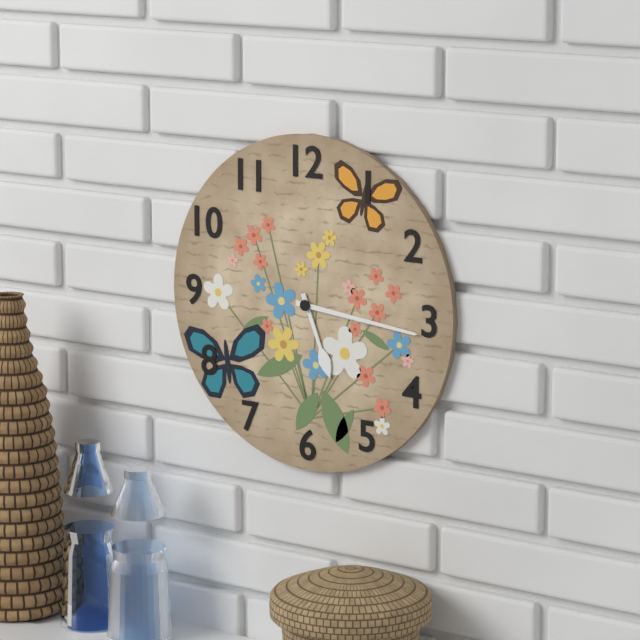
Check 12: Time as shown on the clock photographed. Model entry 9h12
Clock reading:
5h16
